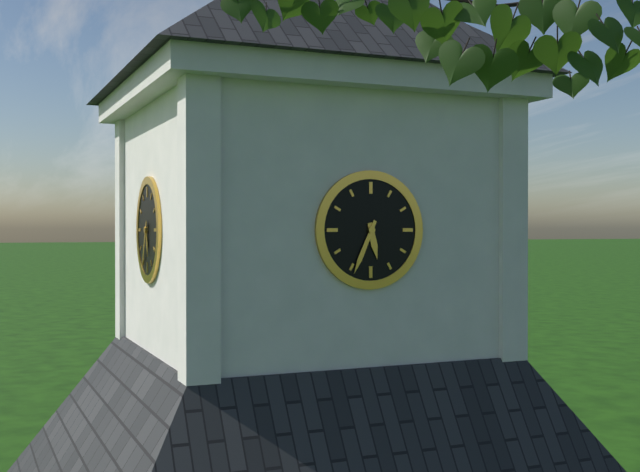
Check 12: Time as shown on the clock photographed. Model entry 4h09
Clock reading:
5h34
